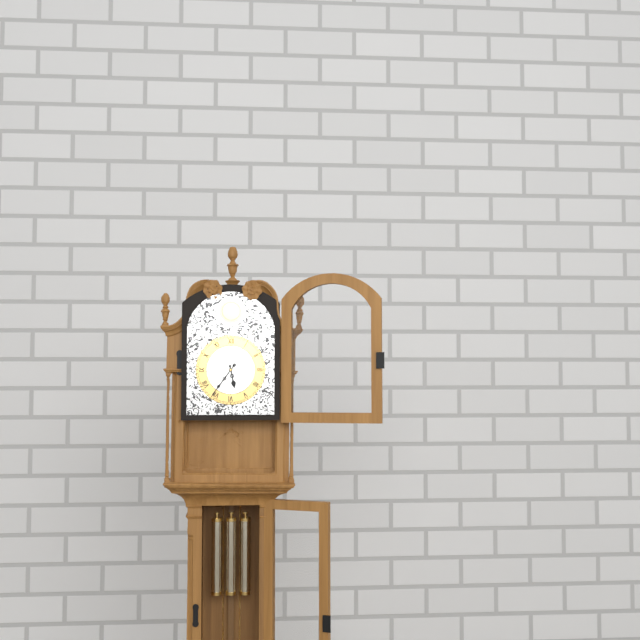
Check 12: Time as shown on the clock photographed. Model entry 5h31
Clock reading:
5h36
